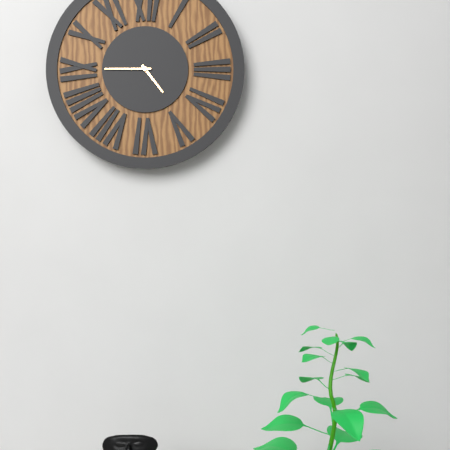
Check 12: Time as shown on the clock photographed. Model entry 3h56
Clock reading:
4h45
